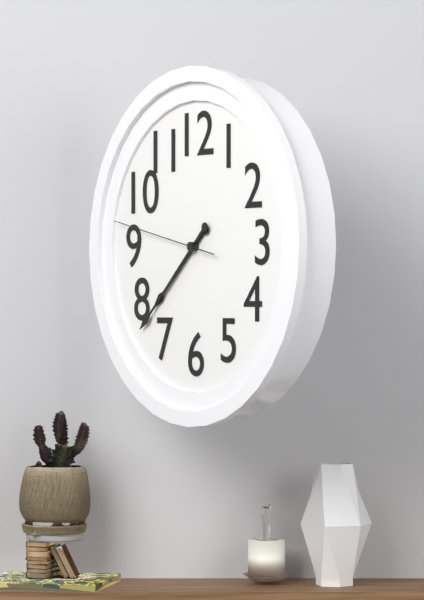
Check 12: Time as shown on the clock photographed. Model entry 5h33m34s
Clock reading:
7h38m47s
